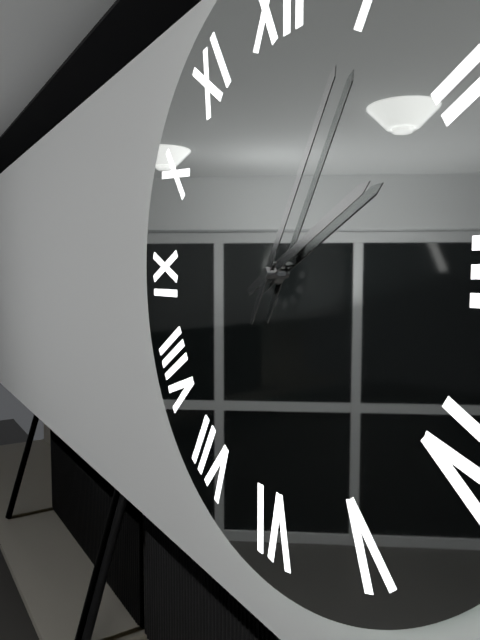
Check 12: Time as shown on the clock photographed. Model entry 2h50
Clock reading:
2h05
